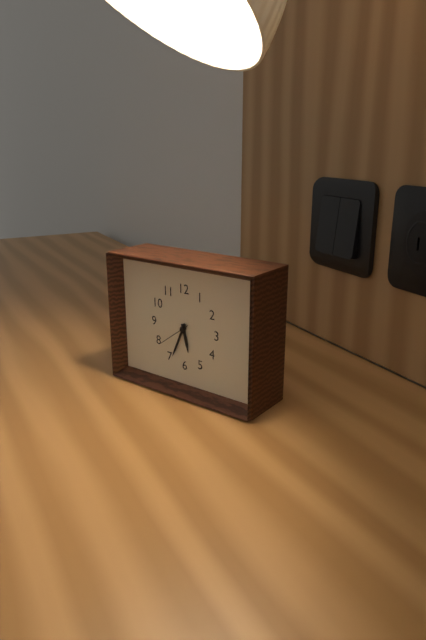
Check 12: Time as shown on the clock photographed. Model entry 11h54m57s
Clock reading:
5h34m39s
